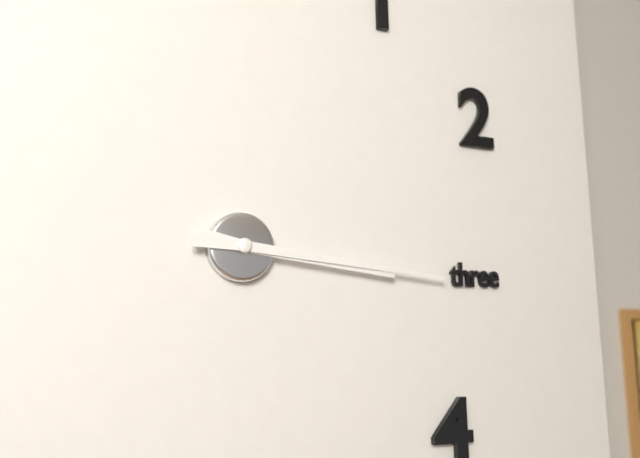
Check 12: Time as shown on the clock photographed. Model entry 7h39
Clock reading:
3h16
